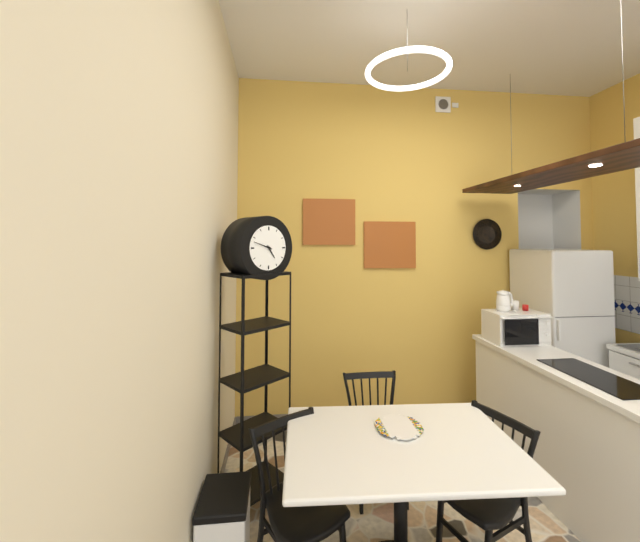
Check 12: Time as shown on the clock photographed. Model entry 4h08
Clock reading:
4h48
